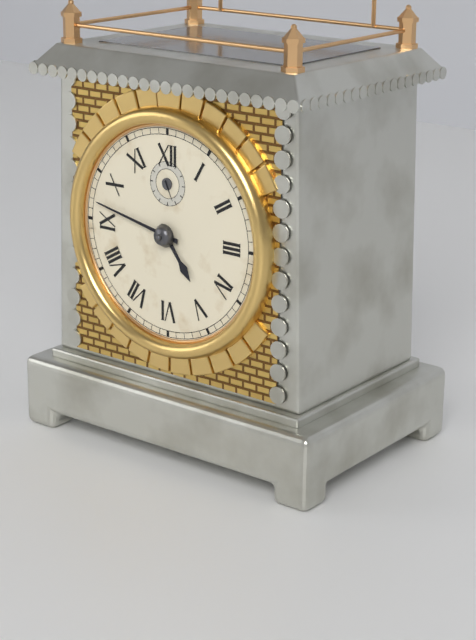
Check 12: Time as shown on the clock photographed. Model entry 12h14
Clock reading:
4h47
